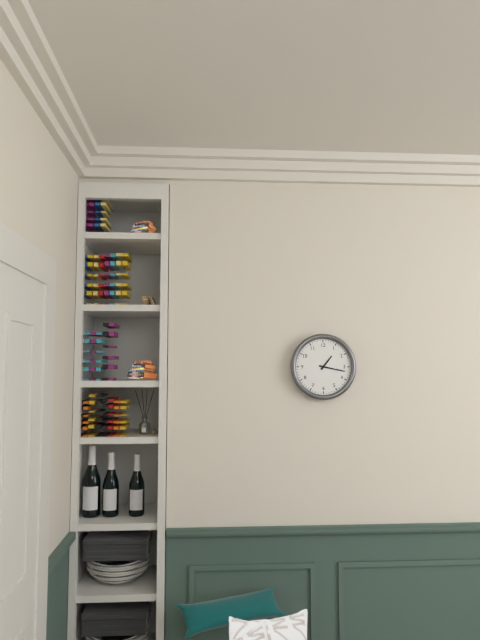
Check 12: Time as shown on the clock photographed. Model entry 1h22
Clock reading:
1h17
